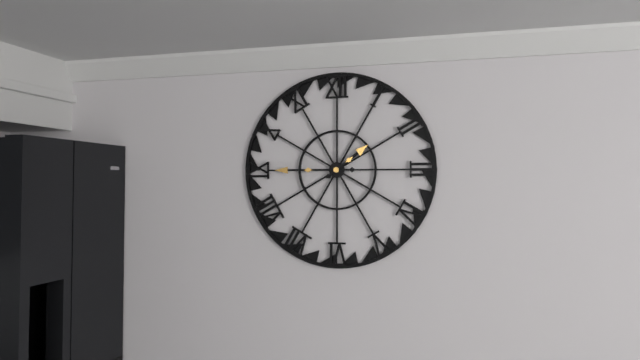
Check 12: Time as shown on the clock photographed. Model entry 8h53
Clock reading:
1h45
